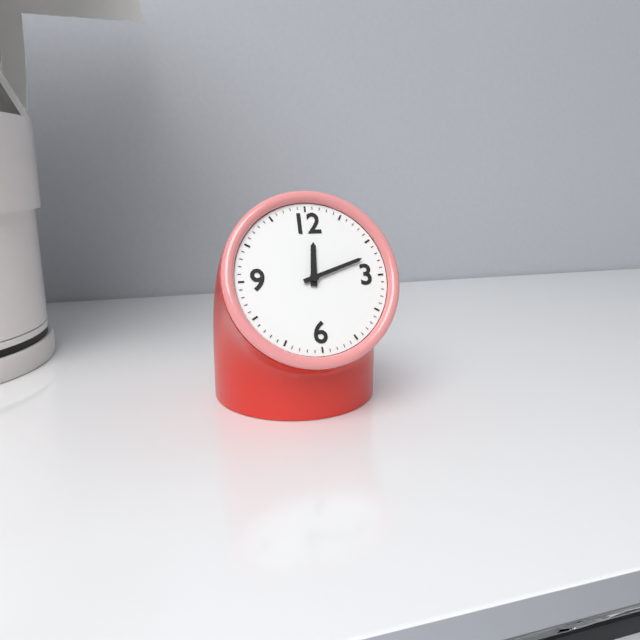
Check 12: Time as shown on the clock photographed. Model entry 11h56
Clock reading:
12h12
